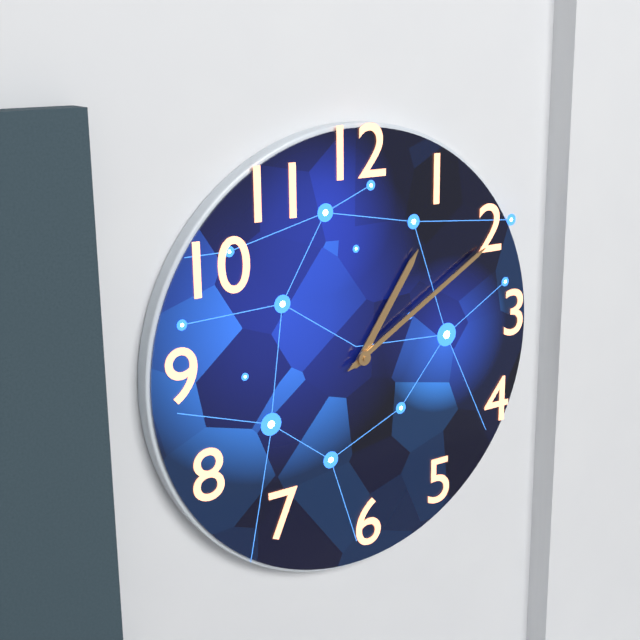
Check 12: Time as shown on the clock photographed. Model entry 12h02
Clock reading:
1h10
